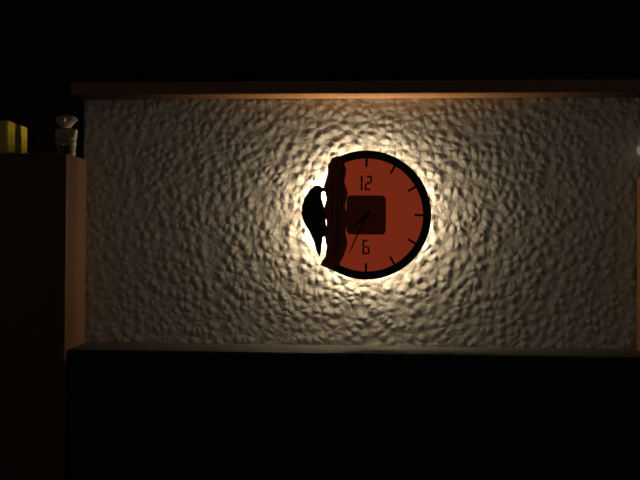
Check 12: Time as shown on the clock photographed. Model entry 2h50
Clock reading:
7h34
